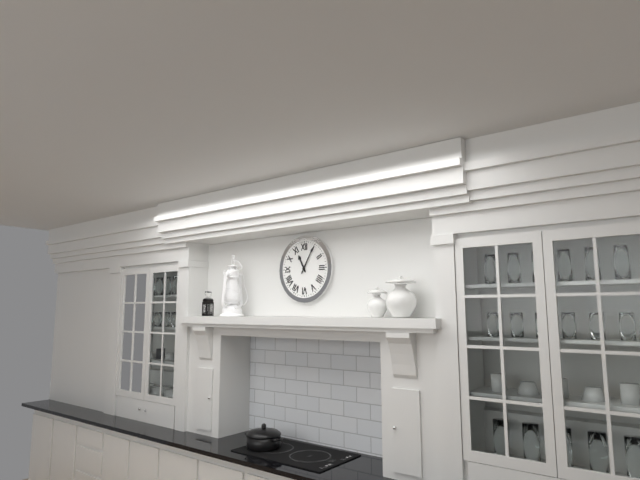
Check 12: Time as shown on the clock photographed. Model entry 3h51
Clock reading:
11h05
